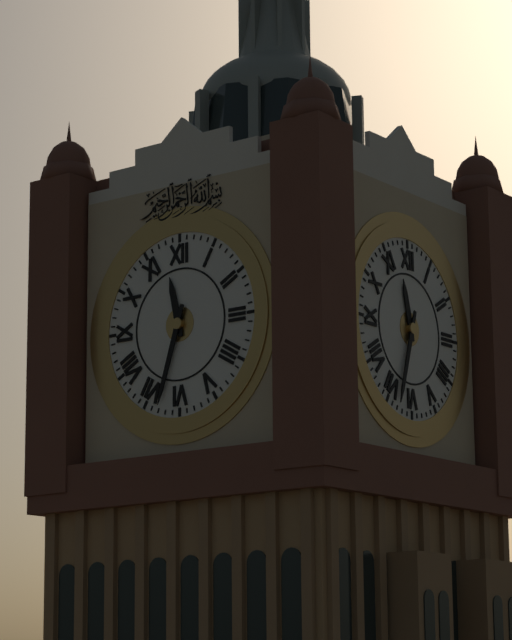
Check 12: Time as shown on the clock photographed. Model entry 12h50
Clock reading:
11h33
